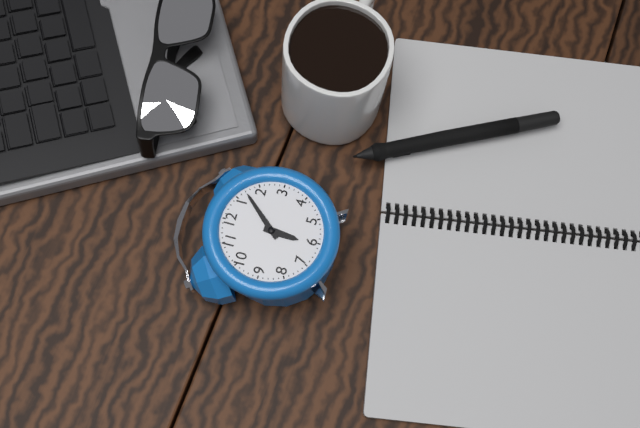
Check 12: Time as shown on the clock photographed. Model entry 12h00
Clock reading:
6h07
